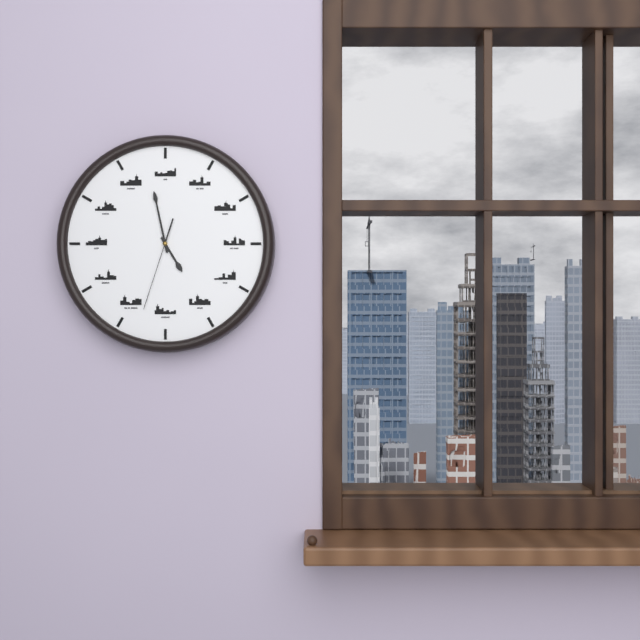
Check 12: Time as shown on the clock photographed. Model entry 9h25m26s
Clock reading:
4h58m33s
